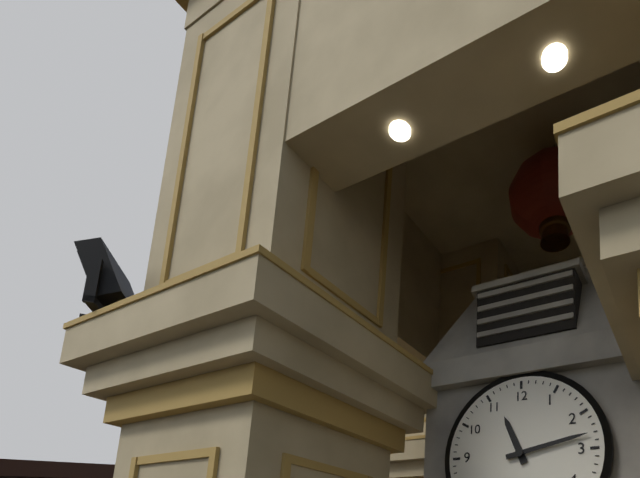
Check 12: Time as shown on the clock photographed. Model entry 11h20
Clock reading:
11h13
